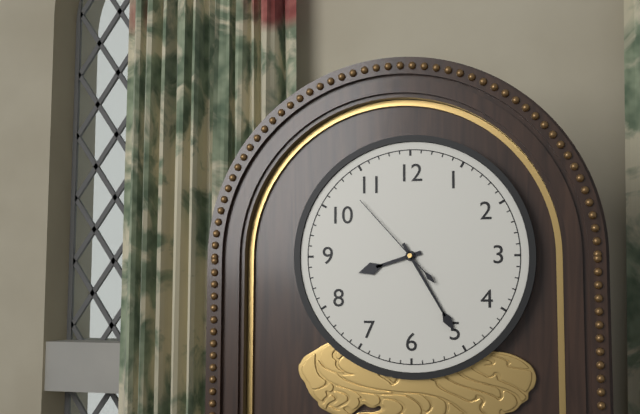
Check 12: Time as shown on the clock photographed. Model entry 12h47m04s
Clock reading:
8h25m53s
